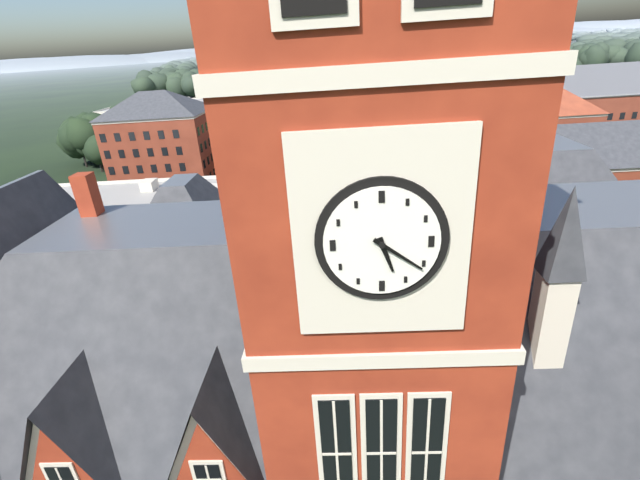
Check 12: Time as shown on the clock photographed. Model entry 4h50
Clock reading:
5h21
